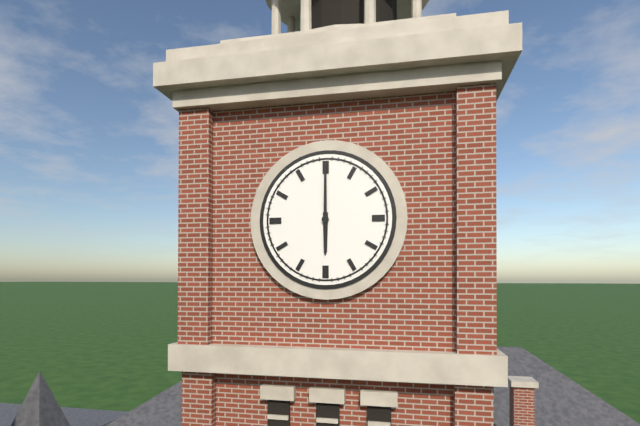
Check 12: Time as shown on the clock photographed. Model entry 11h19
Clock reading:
6h00
